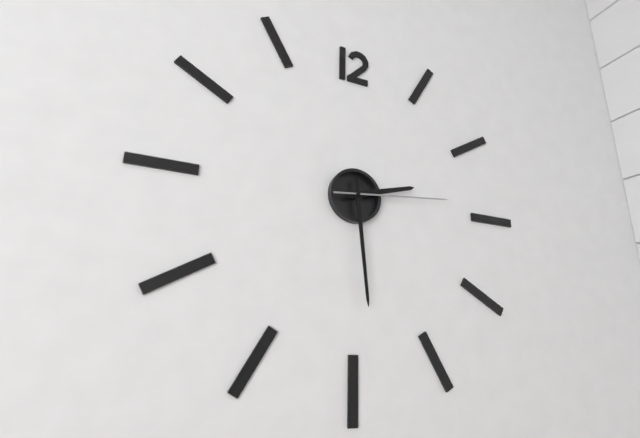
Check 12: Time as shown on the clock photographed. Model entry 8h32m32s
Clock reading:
2h29m14s
